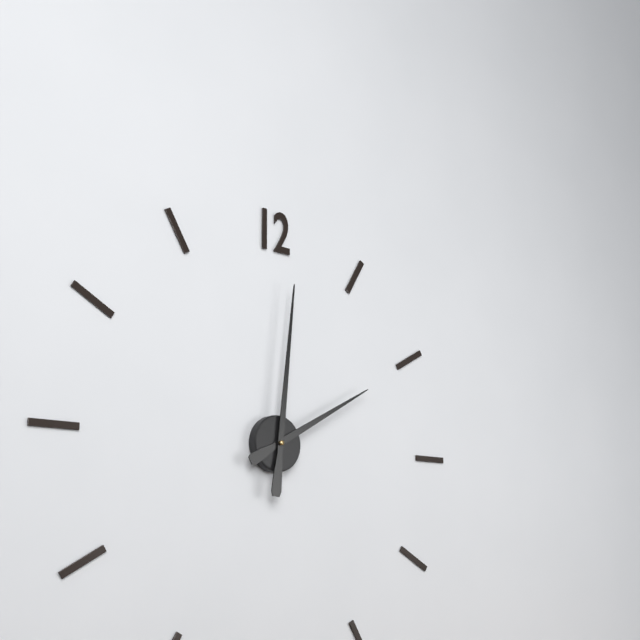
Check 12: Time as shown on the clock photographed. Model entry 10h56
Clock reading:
2h01
